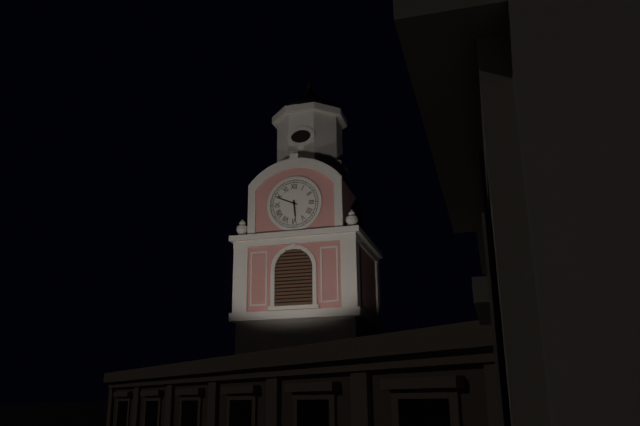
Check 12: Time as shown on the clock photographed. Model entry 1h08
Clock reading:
5h49
